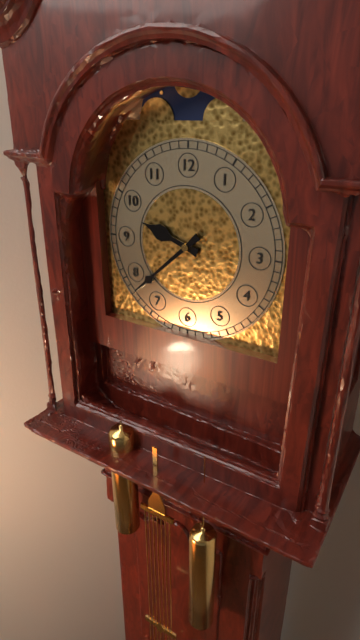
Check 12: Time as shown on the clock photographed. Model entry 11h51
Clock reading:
9h38
